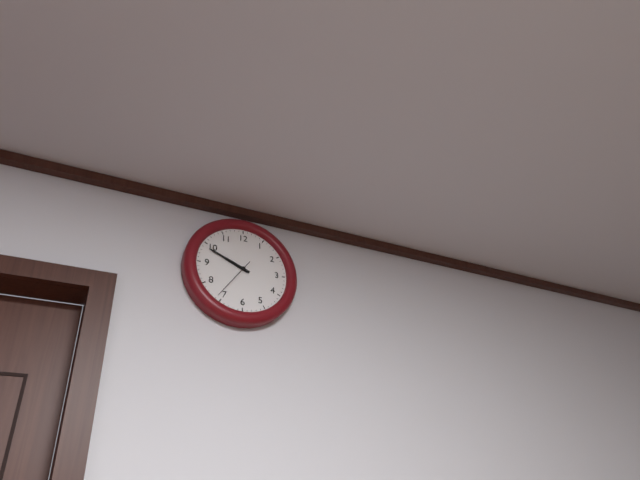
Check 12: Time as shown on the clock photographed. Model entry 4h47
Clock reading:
9h49
